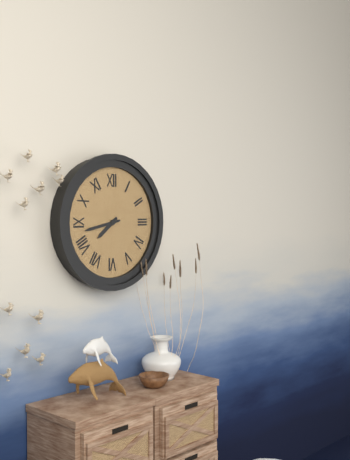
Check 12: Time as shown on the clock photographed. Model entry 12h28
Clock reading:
7h43
